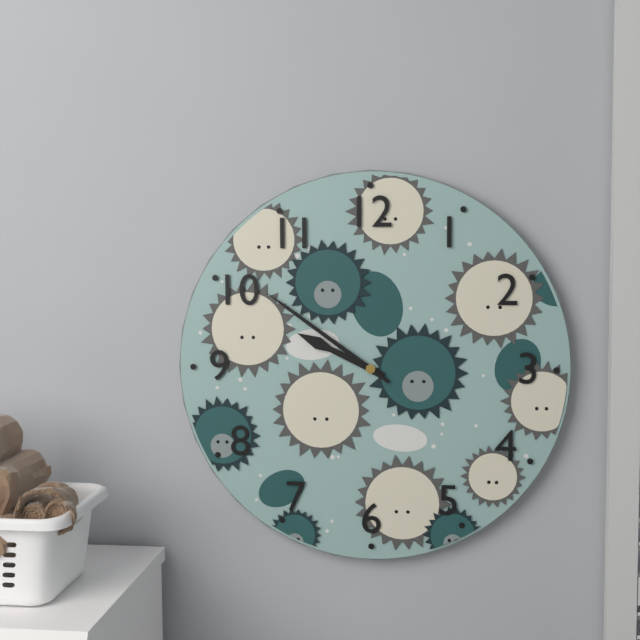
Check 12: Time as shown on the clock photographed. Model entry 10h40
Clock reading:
9h51
